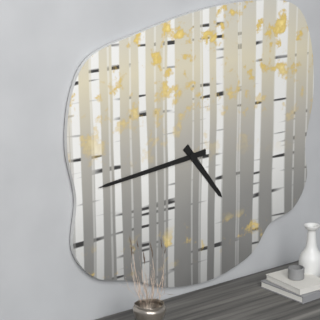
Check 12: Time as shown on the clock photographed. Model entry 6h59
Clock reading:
4h44
